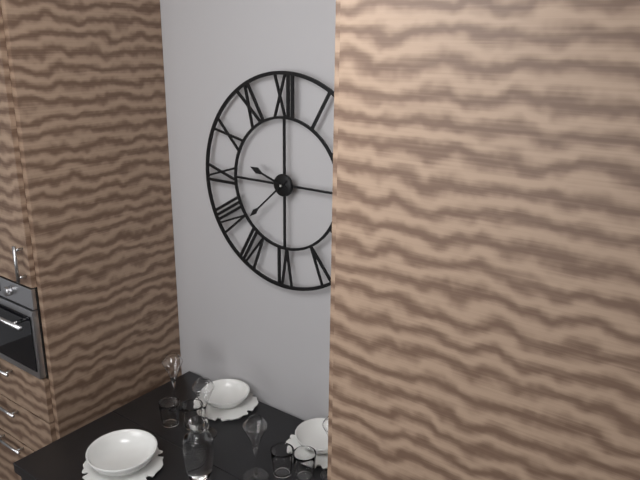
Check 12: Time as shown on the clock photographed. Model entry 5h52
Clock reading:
9h38
